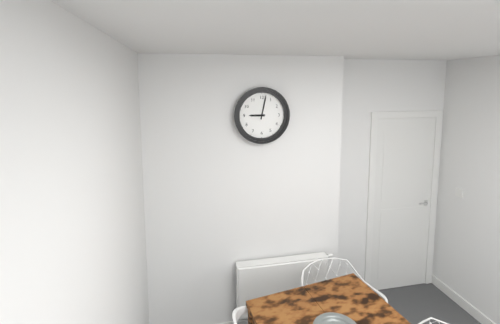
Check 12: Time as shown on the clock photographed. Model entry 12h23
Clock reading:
9h02
